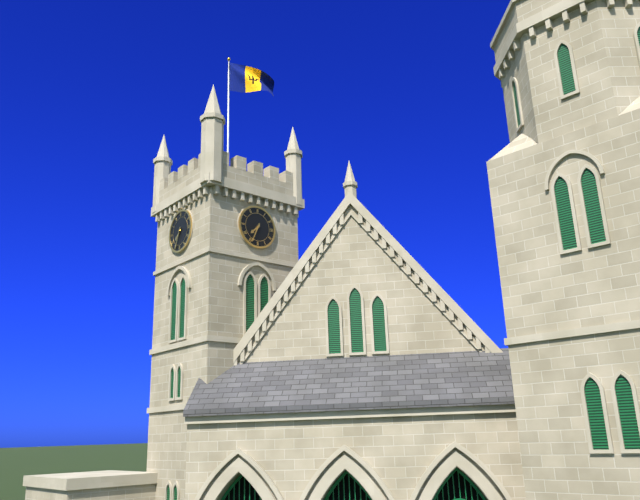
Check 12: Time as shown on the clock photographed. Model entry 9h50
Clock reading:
7h34
